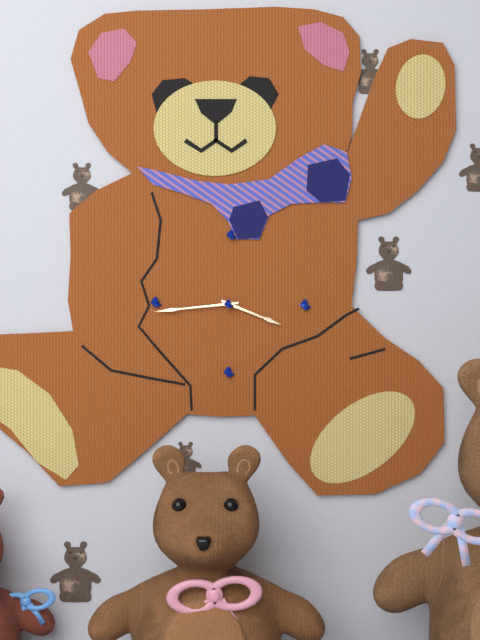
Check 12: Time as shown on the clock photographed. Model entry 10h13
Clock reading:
3h44
